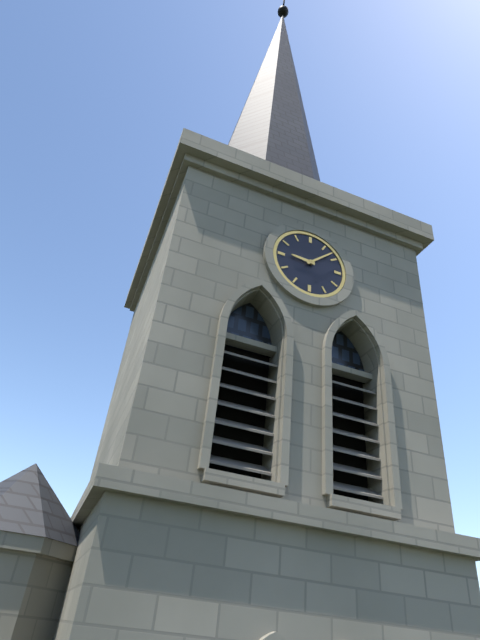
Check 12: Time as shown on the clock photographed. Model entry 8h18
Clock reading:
9h08
